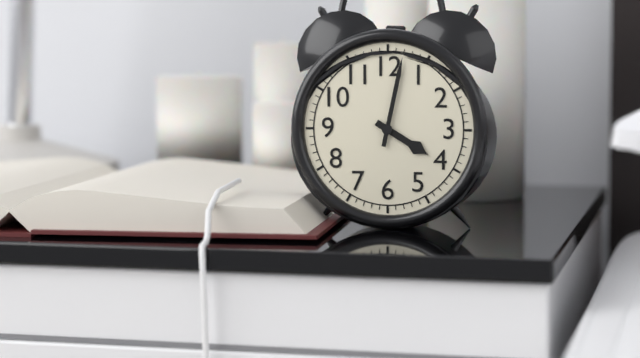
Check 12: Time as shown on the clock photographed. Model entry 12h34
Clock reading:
4h02
